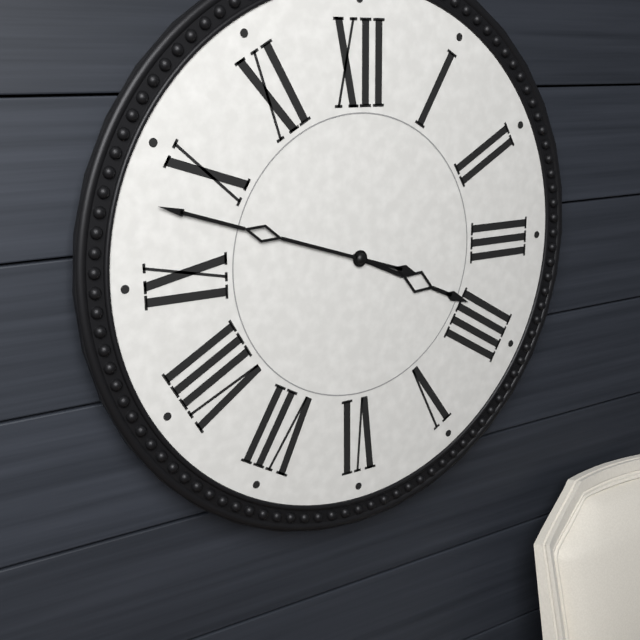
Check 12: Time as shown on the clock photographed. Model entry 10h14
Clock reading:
3h48
